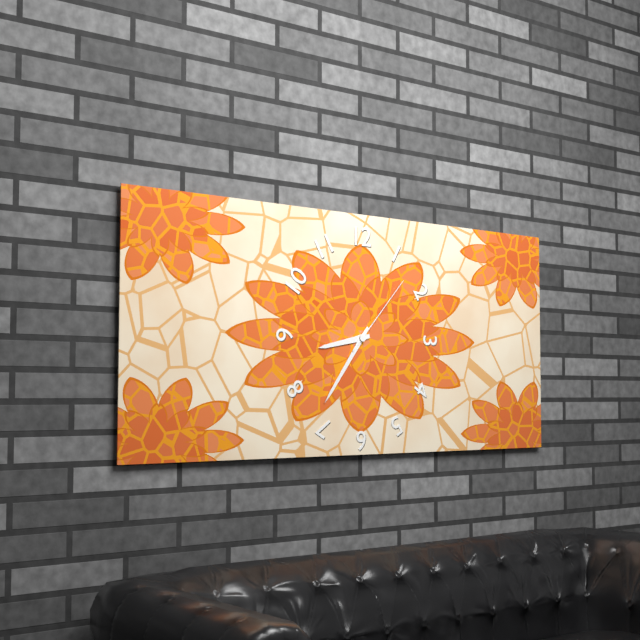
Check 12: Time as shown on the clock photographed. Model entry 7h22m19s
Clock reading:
8h36m07s
